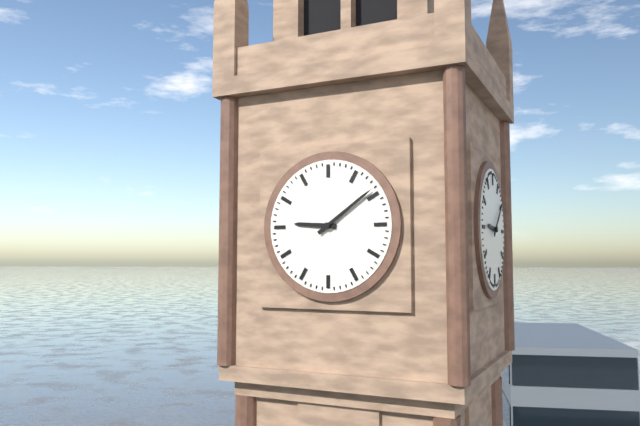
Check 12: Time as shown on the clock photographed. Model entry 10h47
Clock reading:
9h09
